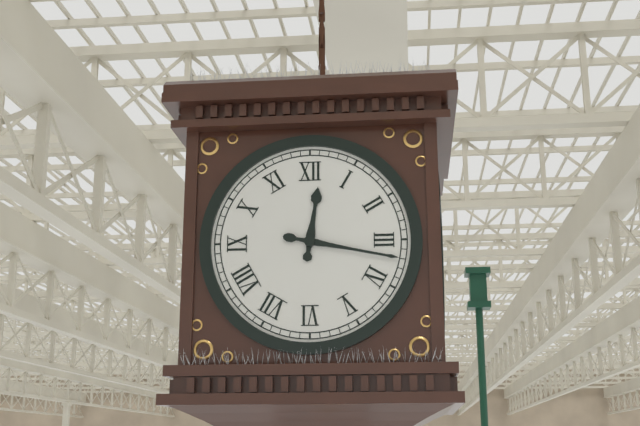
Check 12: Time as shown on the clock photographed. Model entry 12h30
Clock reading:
12h17
